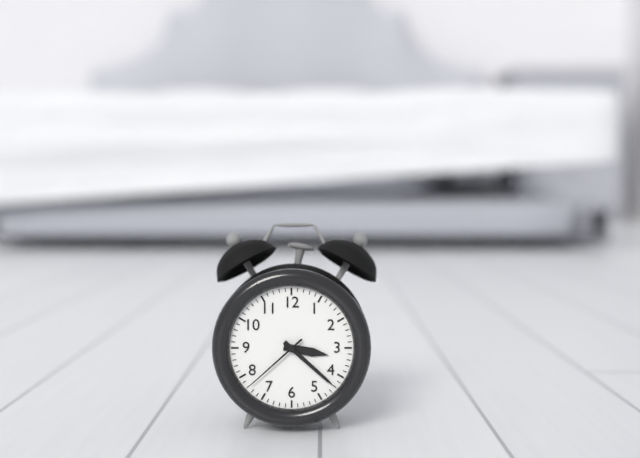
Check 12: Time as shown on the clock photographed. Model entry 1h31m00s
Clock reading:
3h22m38s
